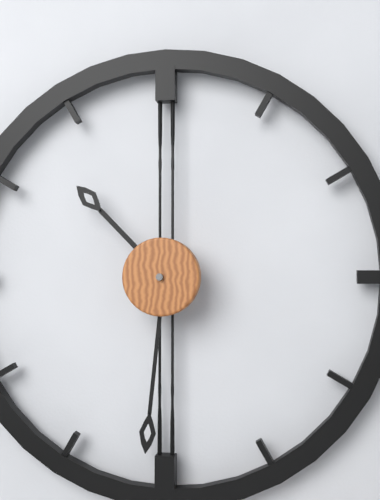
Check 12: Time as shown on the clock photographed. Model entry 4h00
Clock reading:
10h31
